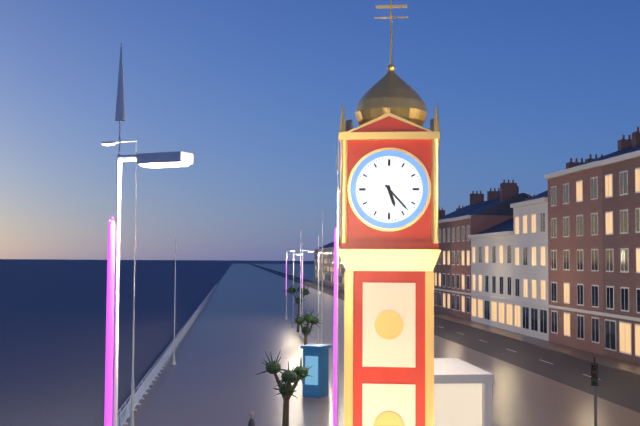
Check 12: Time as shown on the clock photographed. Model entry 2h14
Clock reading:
5h23
